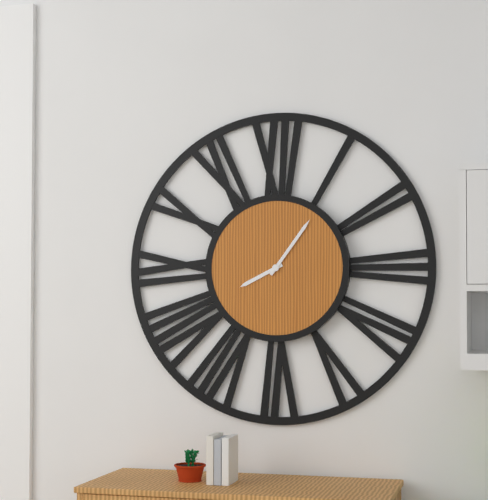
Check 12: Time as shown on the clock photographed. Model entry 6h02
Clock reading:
8h06
